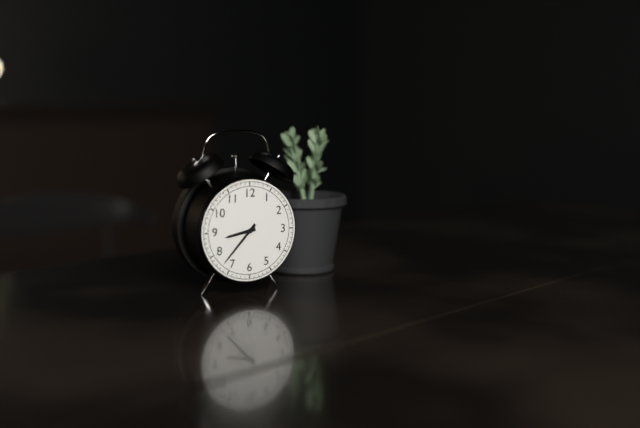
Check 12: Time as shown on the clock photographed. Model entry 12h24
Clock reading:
8h37
